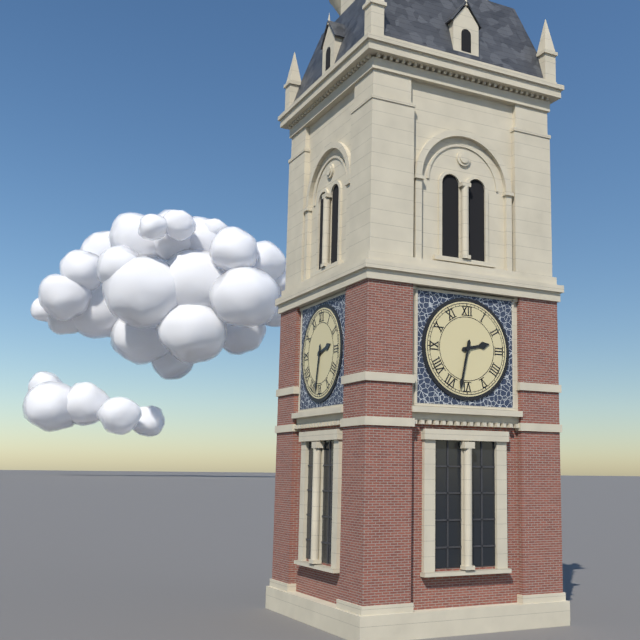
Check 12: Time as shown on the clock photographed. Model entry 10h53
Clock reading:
2h32
